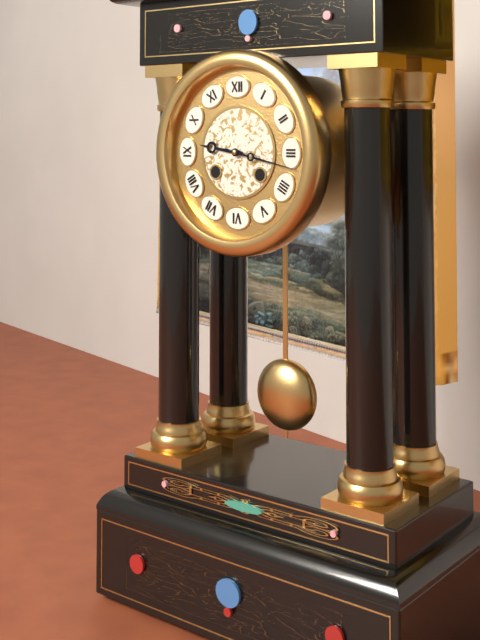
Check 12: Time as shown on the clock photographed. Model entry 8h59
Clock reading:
9h17
